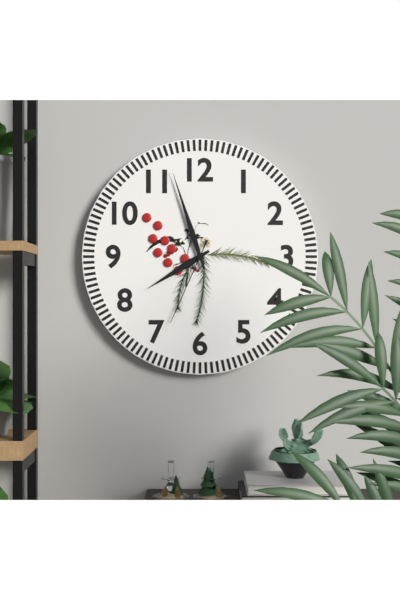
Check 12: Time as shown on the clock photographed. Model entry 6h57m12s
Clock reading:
7h57m34s
